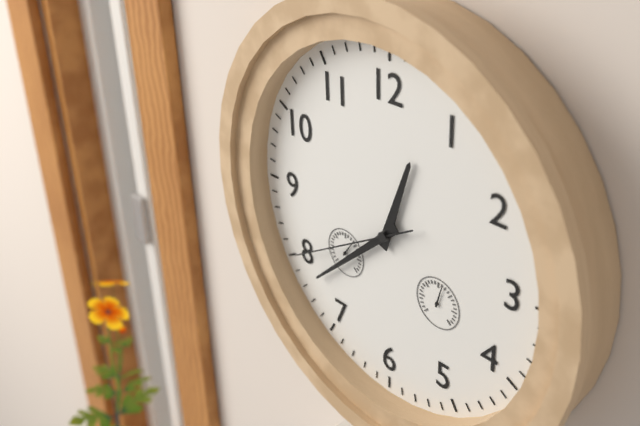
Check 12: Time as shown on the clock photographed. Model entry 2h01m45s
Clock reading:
12h38m40s
